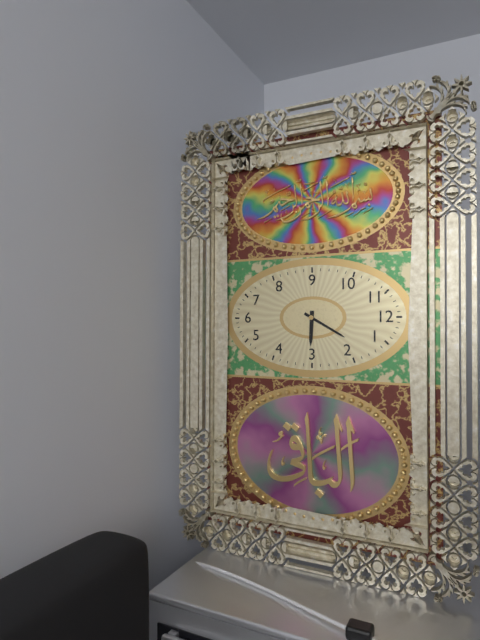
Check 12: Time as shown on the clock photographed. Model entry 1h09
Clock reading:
3h05
